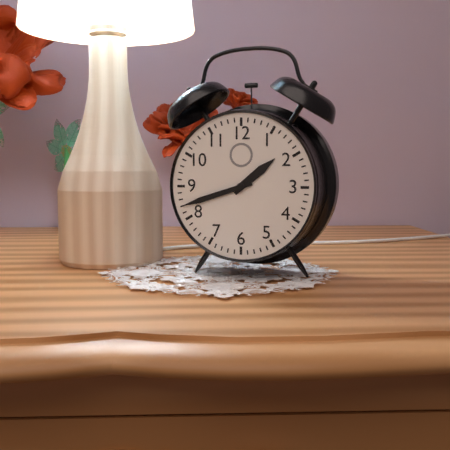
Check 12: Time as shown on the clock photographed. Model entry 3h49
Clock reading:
1h42
